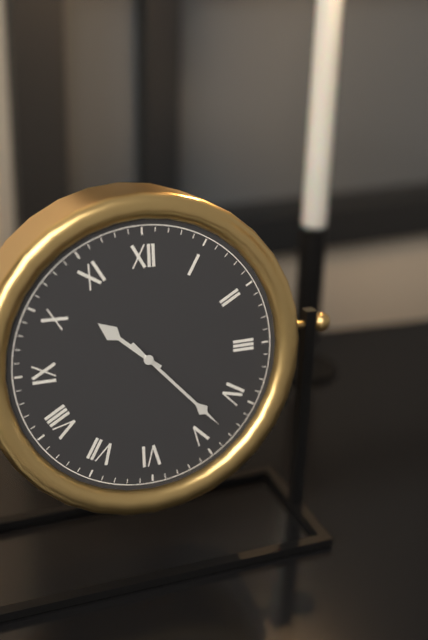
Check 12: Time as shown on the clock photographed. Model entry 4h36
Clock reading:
10h23
